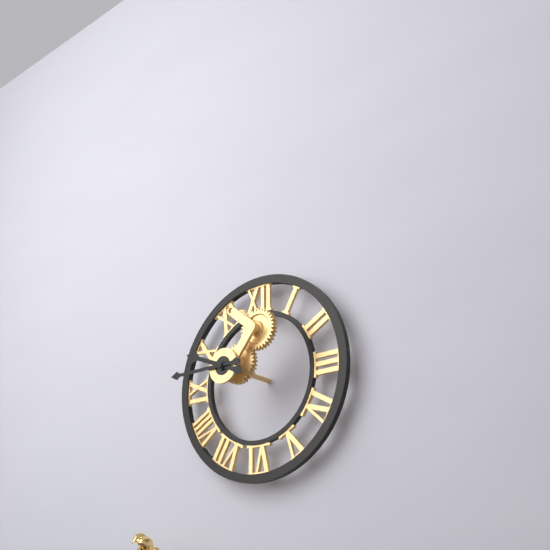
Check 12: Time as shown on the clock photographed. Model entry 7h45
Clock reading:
9h45
